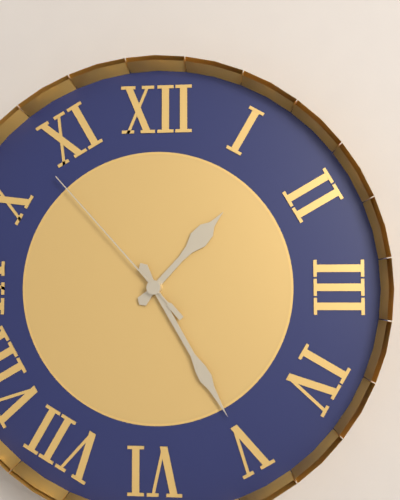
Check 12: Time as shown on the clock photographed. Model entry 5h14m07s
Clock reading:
1h25m53s
